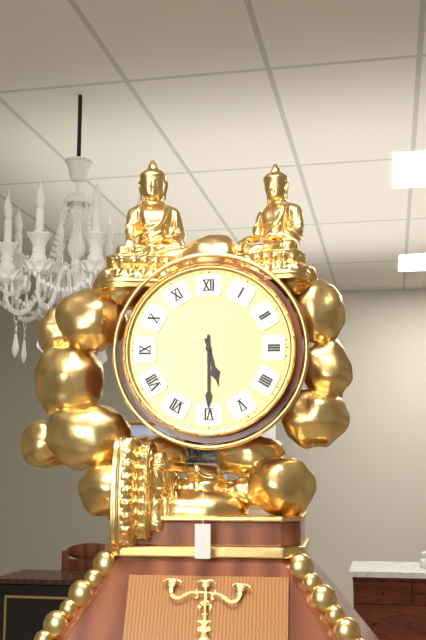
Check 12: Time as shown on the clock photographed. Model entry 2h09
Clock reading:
5h30
